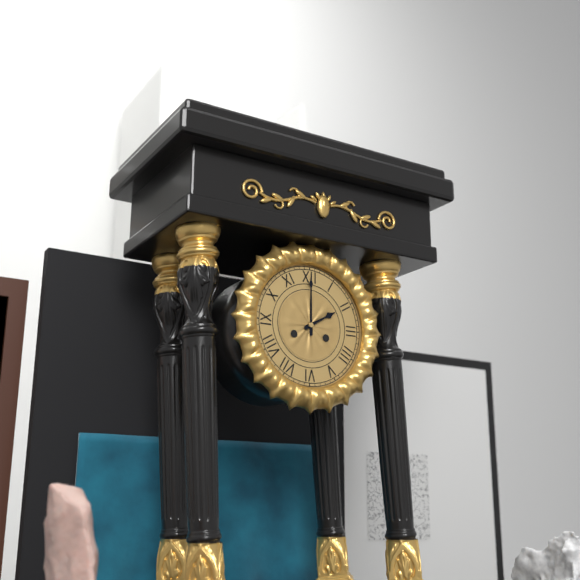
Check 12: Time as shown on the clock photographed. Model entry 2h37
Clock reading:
2h00
